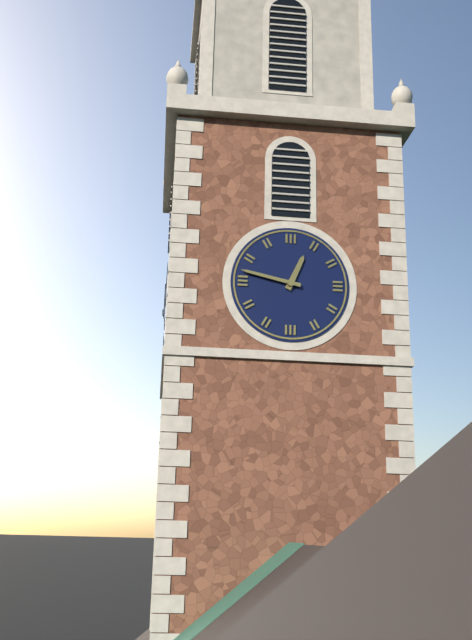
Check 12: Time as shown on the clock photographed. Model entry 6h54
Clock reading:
12h47
